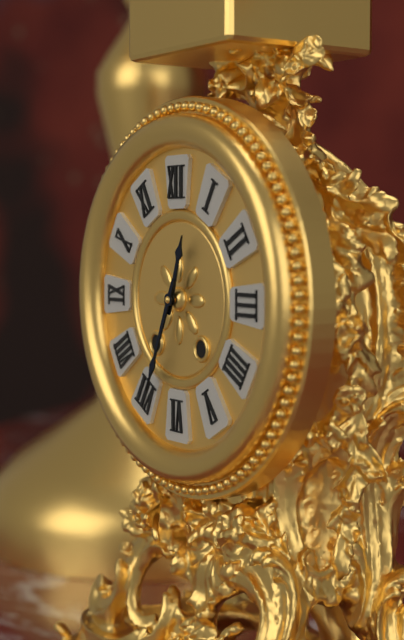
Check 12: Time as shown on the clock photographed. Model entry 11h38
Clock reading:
12h34
